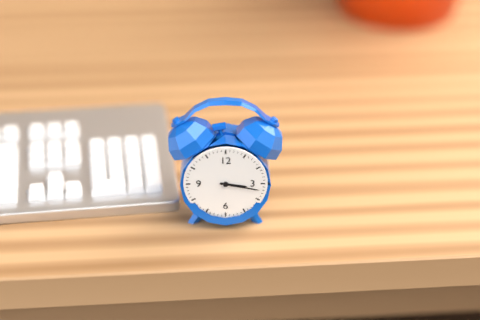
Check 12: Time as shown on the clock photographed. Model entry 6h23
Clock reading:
3h17
